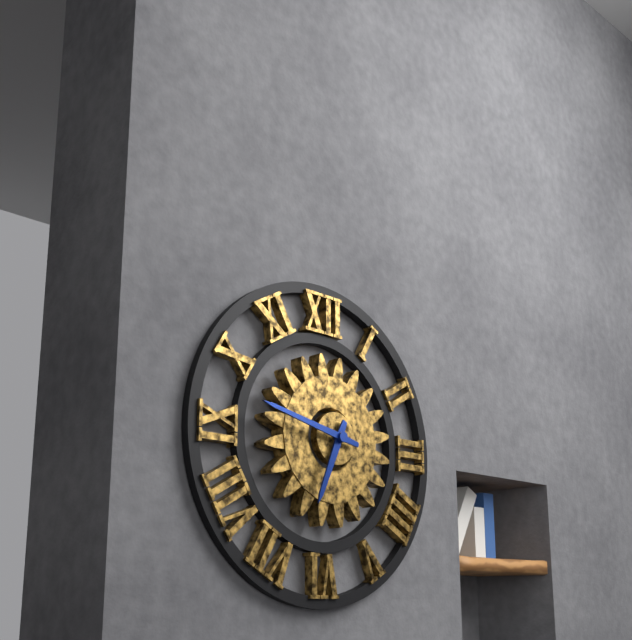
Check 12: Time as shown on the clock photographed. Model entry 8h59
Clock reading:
6h47
